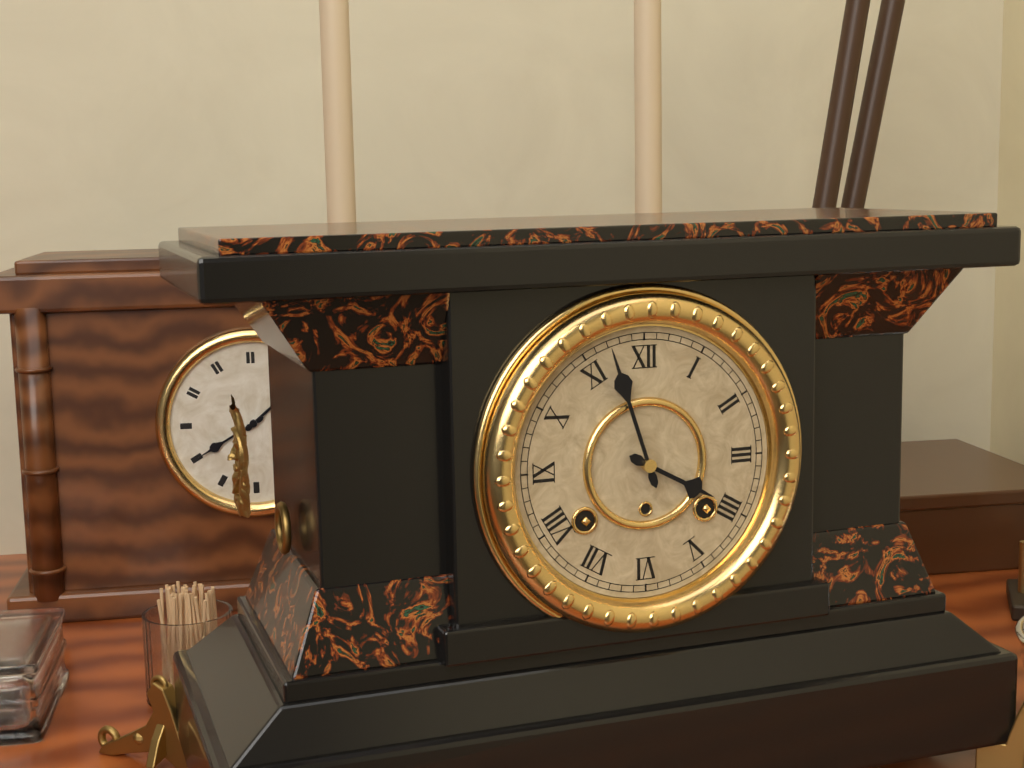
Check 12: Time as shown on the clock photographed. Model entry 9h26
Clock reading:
3h57
